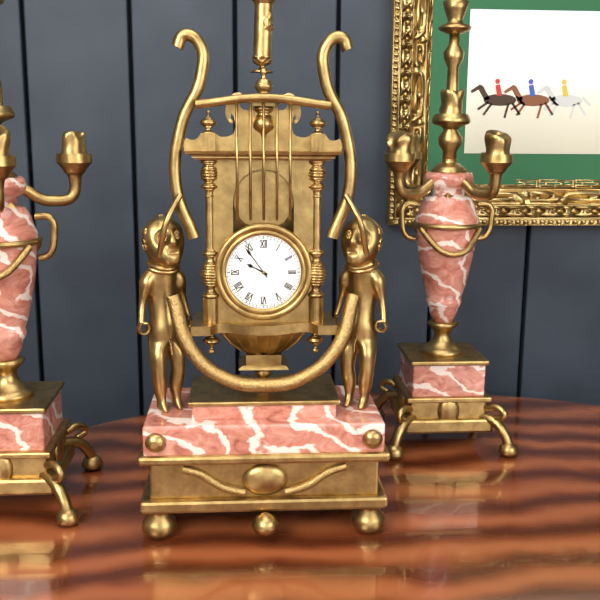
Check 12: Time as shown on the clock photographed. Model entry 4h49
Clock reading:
9h54
